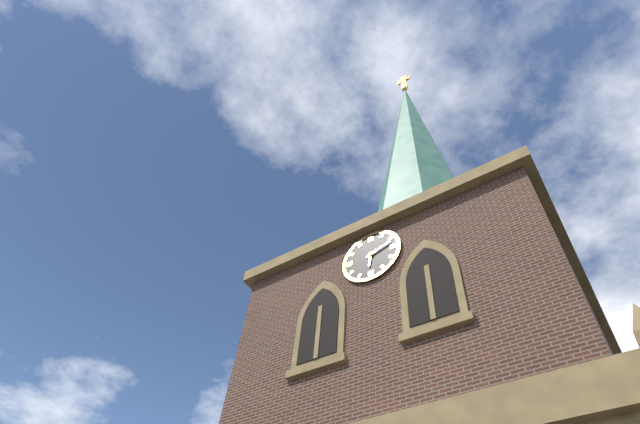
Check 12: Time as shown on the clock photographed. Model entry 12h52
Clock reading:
6h12
